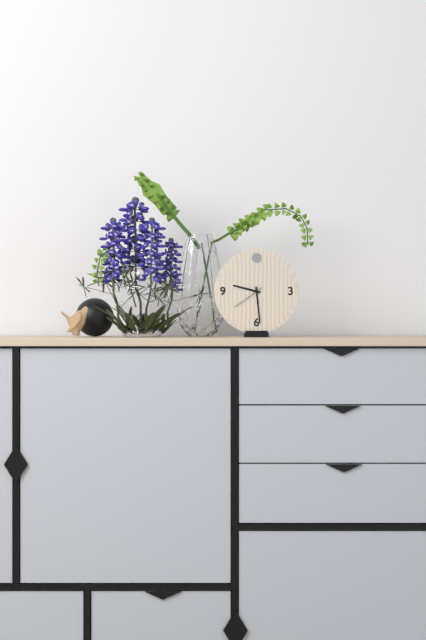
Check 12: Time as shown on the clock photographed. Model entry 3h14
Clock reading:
9h29
